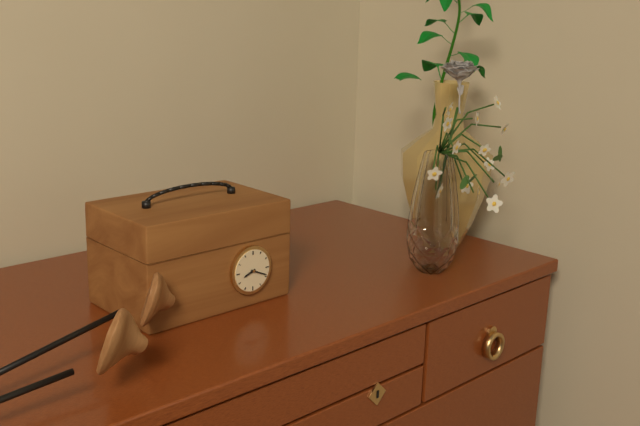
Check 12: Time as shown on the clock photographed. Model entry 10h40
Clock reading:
8h19
